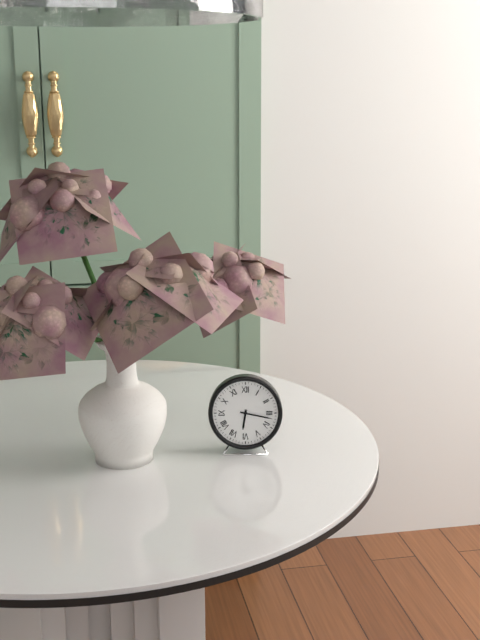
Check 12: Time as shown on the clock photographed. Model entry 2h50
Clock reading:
6h17
